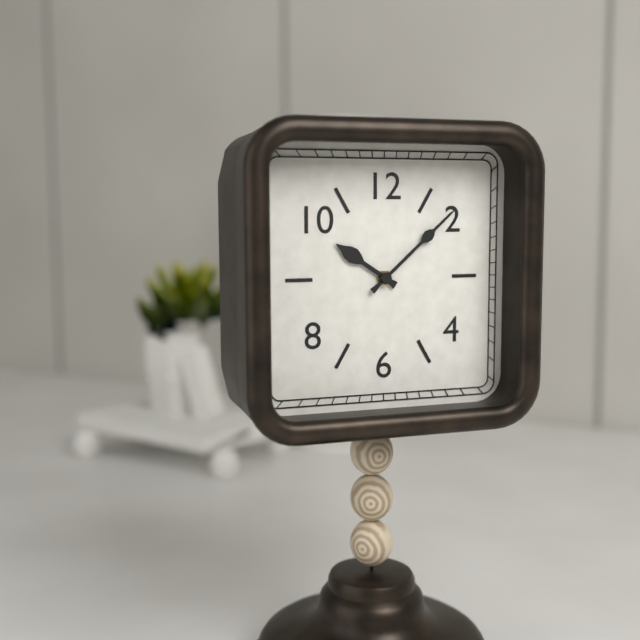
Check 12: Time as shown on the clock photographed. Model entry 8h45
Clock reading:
10h08
